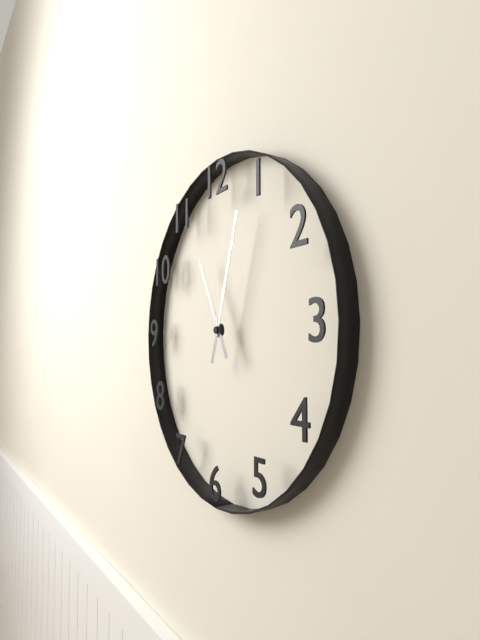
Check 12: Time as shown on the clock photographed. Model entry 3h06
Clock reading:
11h03
